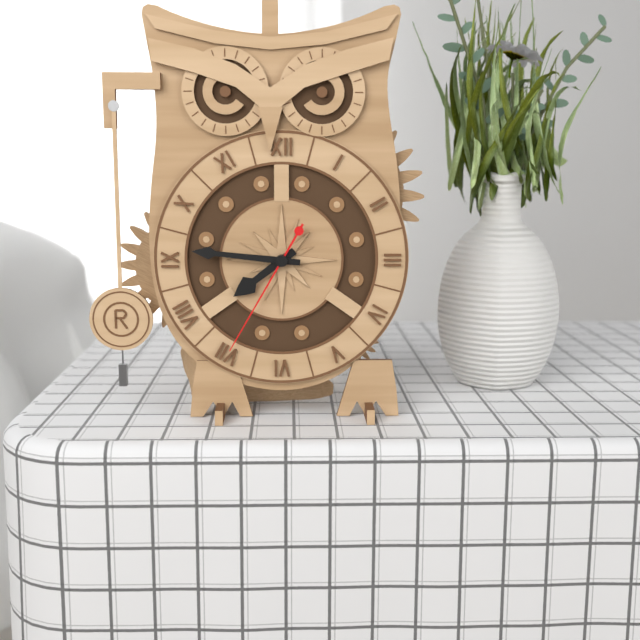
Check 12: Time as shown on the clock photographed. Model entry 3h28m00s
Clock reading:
7h46m35s
